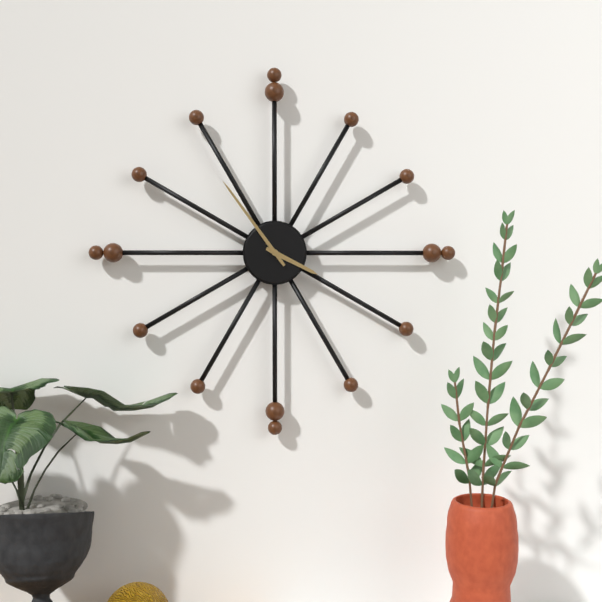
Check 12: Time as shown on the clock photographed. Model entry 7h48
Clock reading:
3h54
